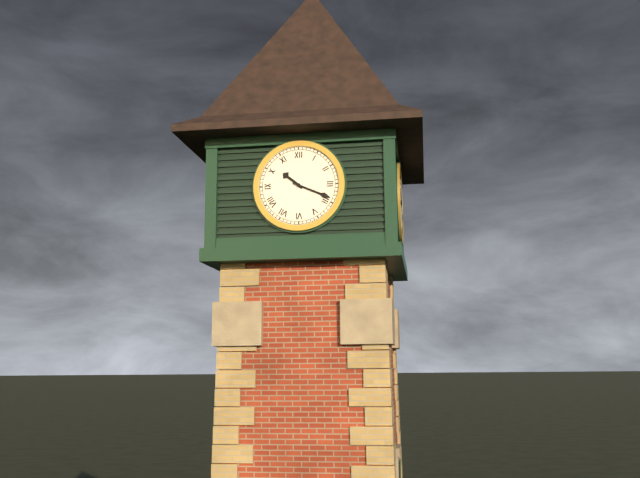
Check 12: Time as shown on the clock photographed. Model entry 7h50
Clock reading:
10h19
